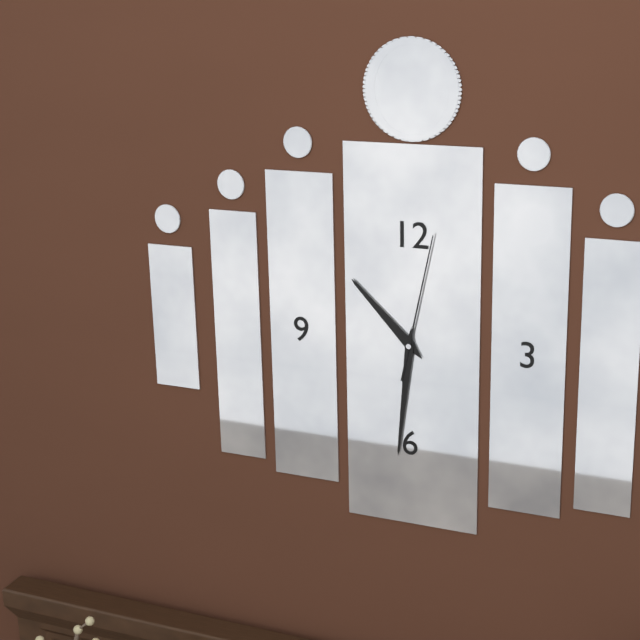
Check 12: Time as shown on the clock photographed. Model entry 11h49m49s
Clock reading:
10h31m02s
